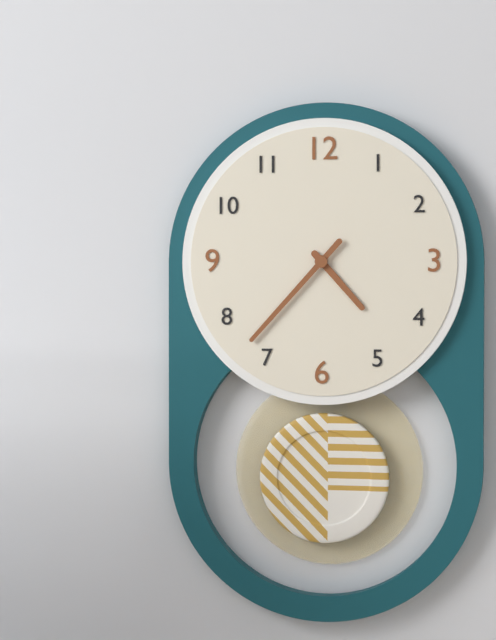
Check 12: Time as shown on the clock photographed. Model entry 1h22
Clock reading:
4h37
